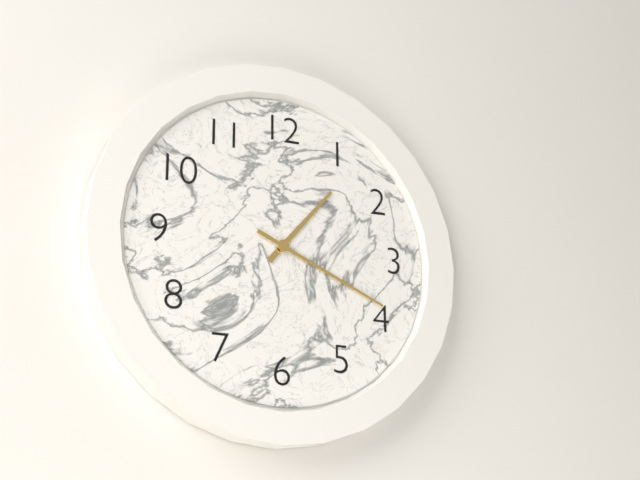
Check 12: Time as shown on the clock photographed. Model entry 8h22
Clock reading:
1h19
